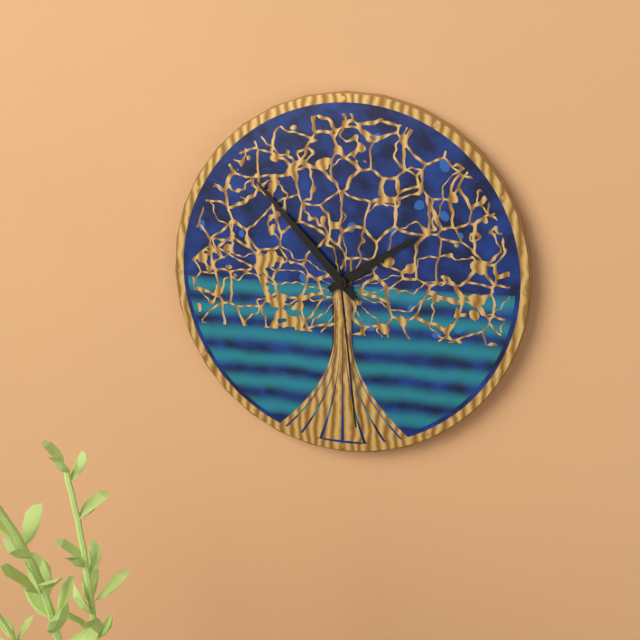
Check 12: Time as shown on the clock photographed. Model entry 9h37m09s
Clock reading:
1h53m29s
